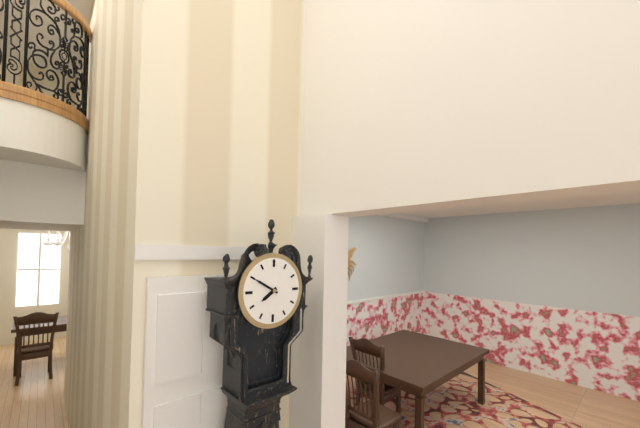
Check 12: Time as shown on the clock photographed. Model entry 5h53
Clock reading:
7h50
